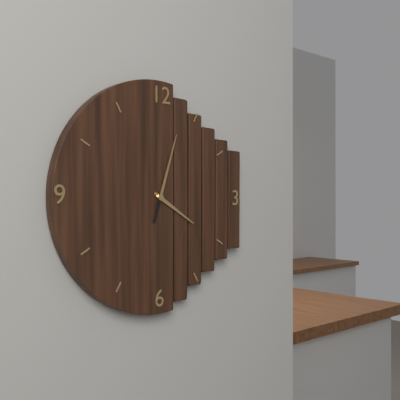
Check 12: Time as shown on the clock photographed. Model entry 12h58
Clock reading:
4h03
